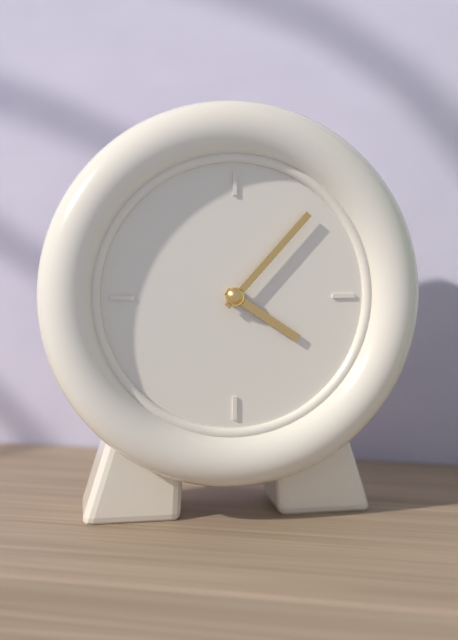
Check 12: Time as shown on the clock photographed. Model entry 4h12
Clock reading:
4h07
